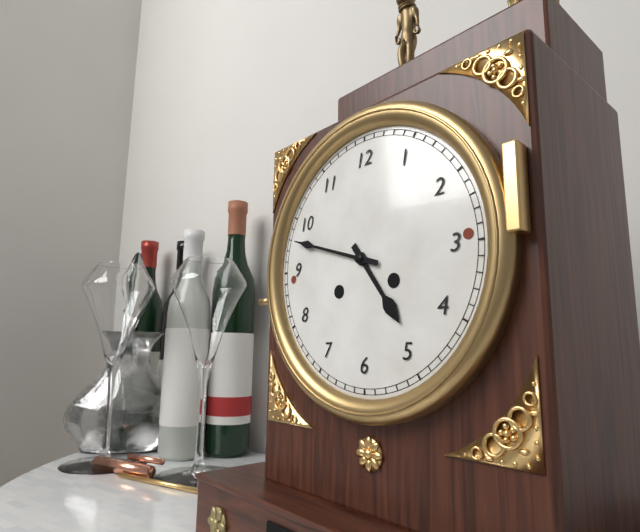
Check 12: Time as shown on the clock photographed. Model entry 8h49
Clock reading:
4h48
